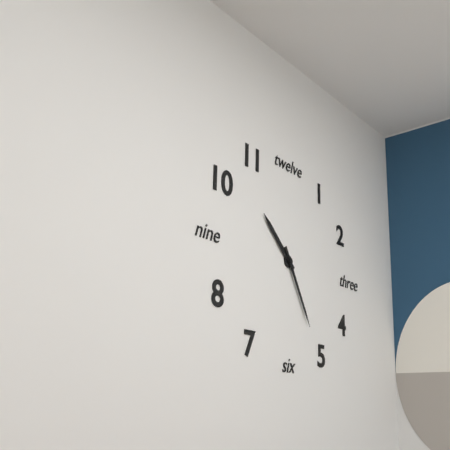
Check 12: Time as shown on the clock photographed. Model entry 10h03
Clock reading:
10h25
